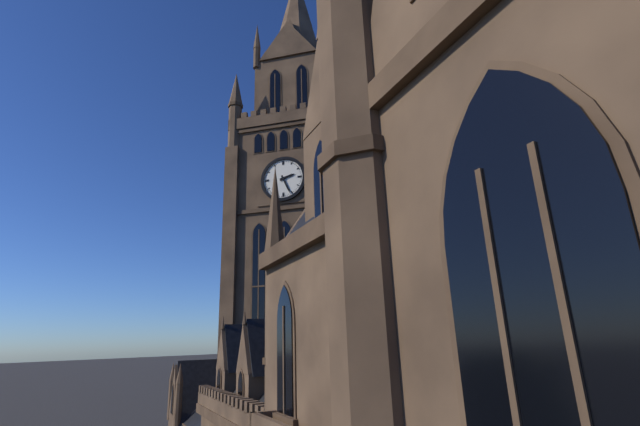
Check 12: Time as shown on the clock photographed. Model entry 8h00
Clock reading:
2h26
